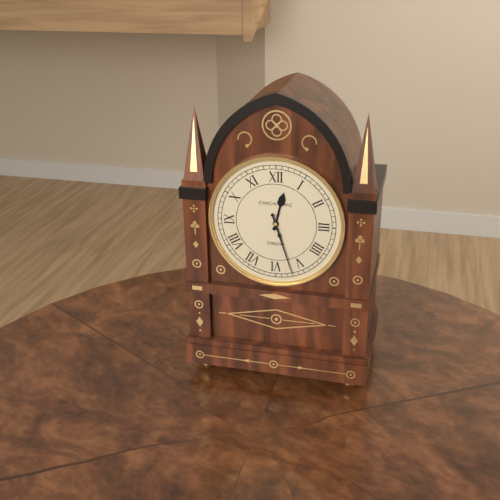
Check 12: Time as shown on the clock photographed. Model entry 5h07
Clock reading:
12h27
